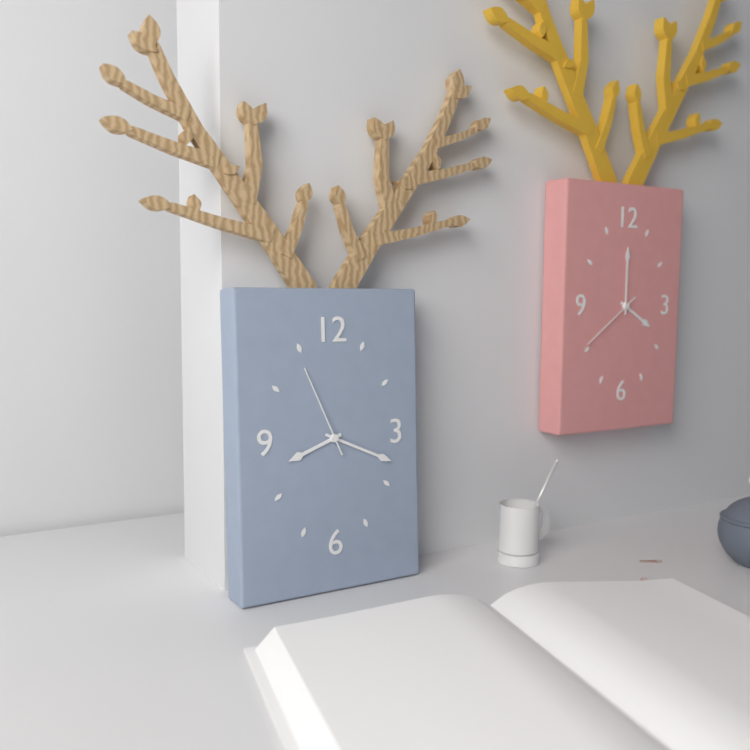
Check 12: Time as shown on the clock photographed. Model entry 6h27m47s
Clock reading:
8h19m56s
